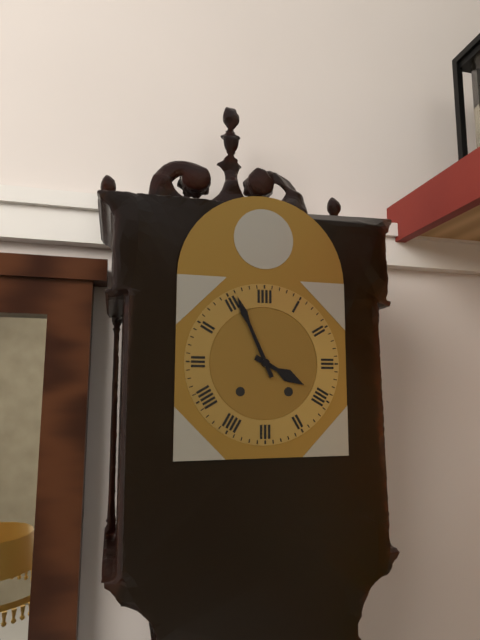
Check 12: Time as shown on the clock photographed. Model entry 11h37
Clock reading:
3h56
